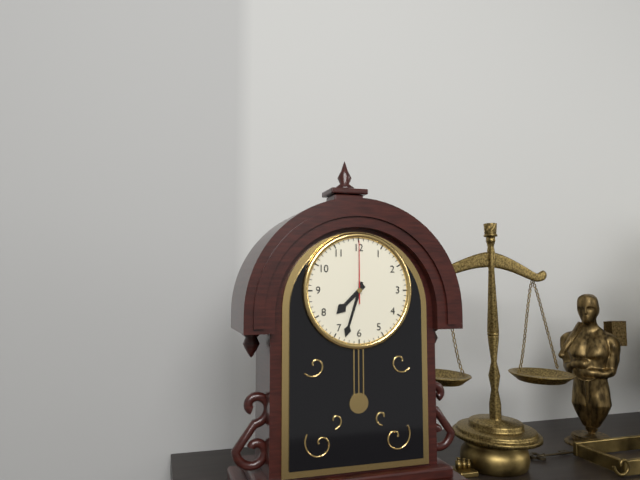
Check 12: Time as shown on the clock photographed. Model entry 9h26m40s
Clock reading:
7h33m00s
